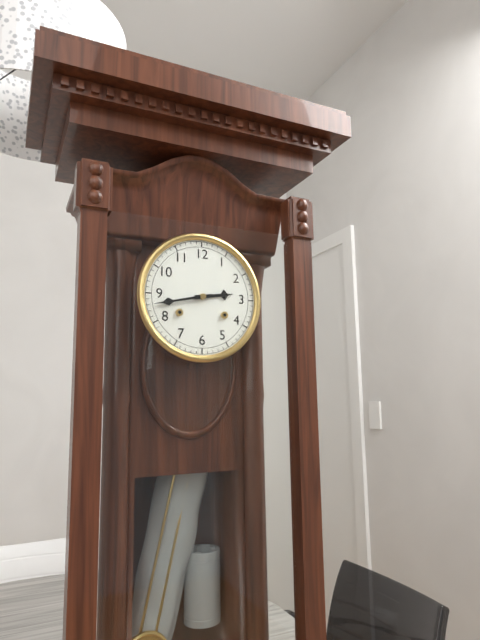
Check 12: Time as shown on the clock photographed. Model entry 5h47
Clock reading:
2h43
